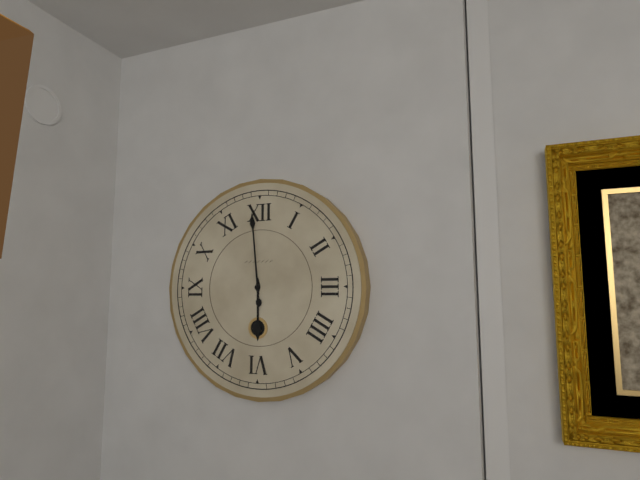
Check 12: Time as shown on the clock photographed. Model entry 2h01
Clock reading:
5h59
